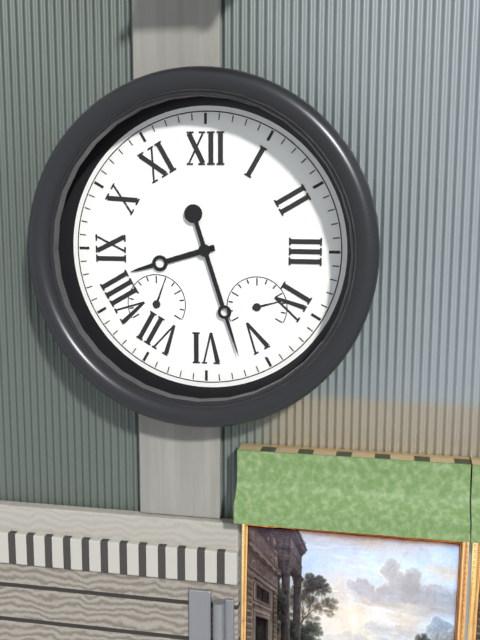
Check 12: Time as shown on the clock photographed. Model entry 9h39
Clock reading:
8h27
